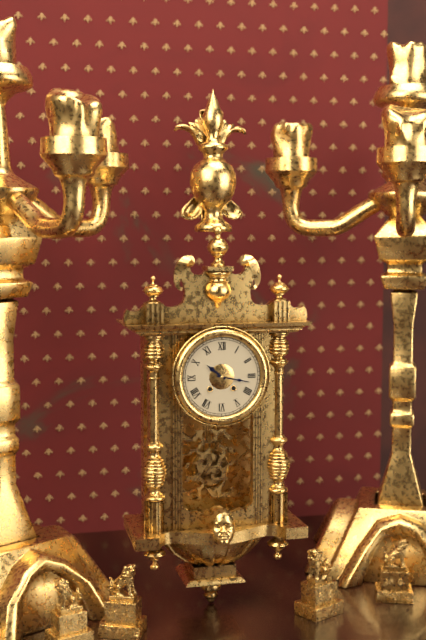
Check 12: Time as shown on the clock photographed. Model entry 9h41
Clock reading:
10h17
